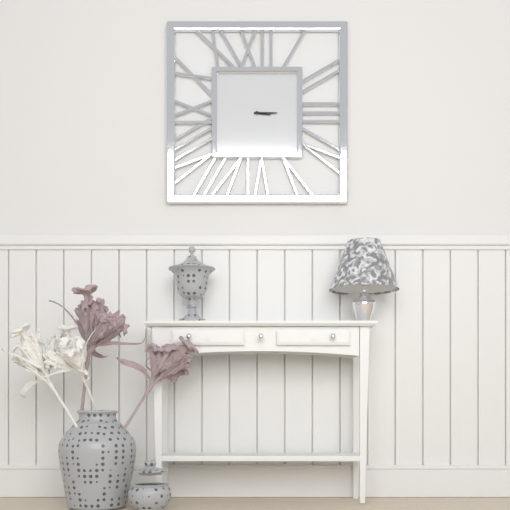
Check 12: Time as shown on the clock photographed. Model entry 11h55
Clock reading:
3h15
